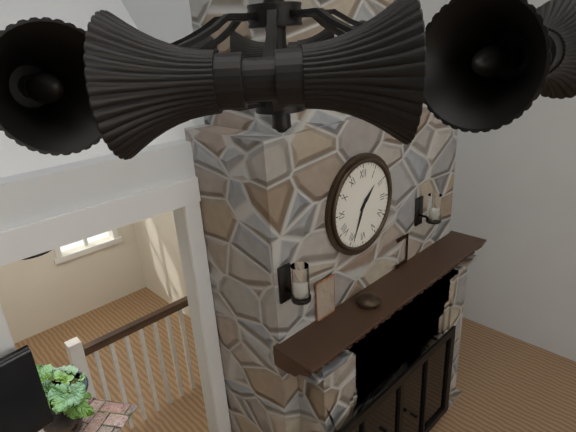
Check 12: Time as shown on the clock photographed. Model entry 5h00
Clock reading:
1h34
